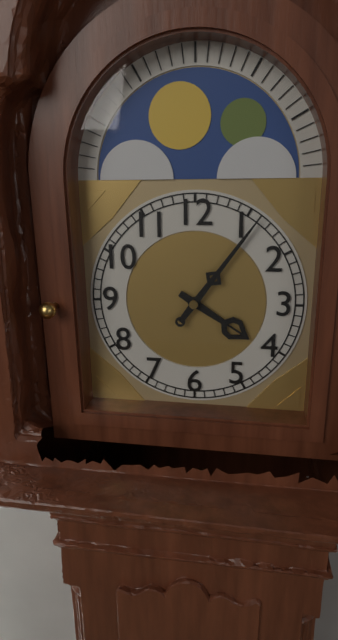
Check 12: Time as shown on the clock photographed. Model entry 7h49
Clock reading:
4h06
